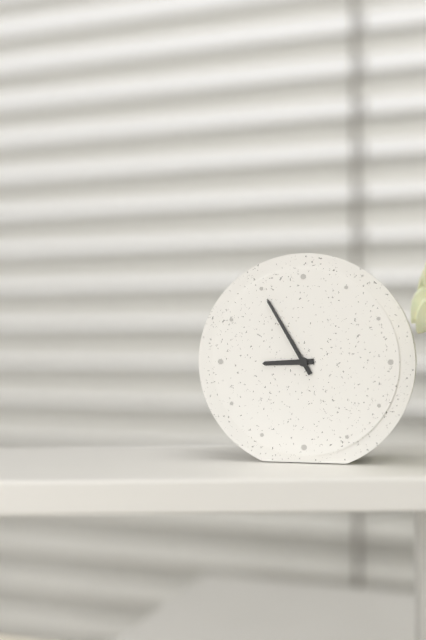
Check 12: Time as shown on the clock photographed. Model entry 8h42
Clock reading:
8h55
